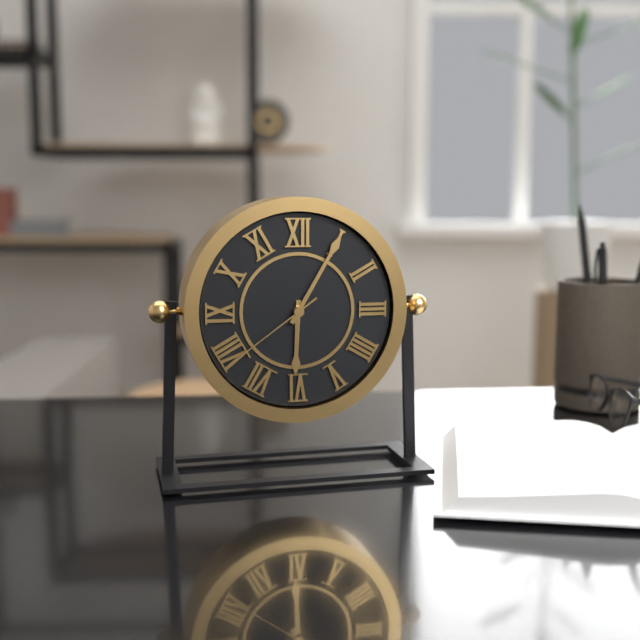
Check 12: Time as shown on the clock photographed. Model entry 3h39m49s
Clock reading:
6h05m39s
